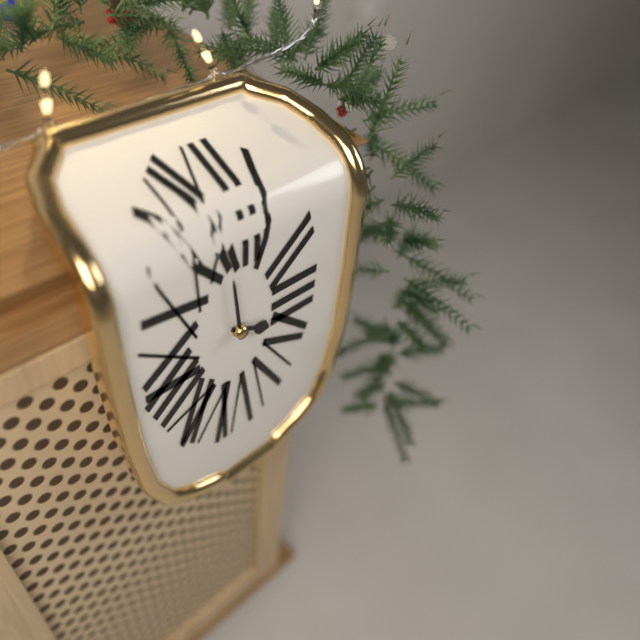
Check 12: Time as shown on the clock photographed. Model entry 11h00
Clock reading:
3h59
